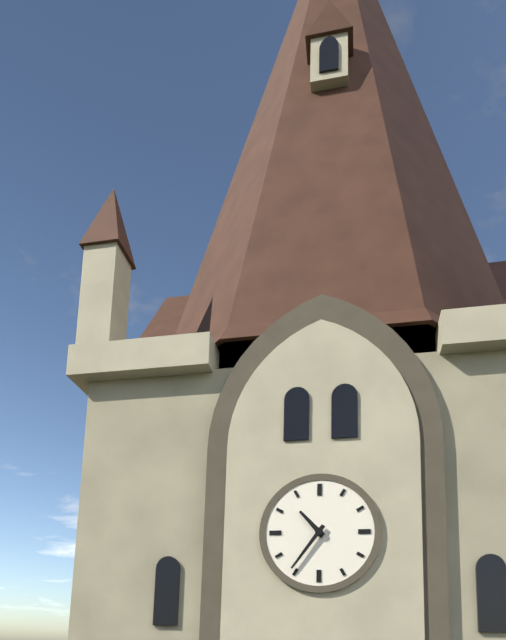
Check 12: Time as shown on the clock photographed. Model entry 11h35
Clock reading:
10h36
